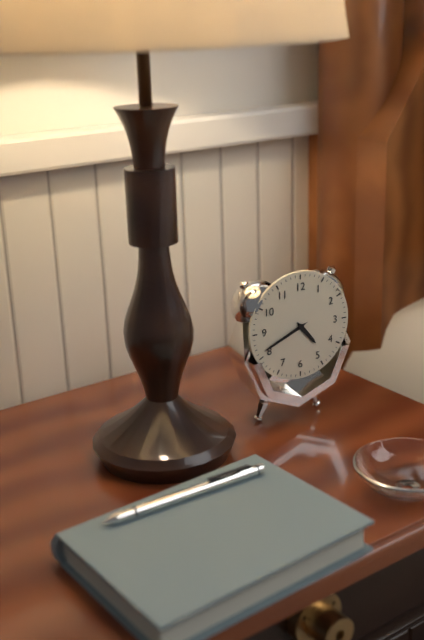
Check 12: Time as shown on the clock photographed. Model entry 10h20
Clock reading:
4h41
